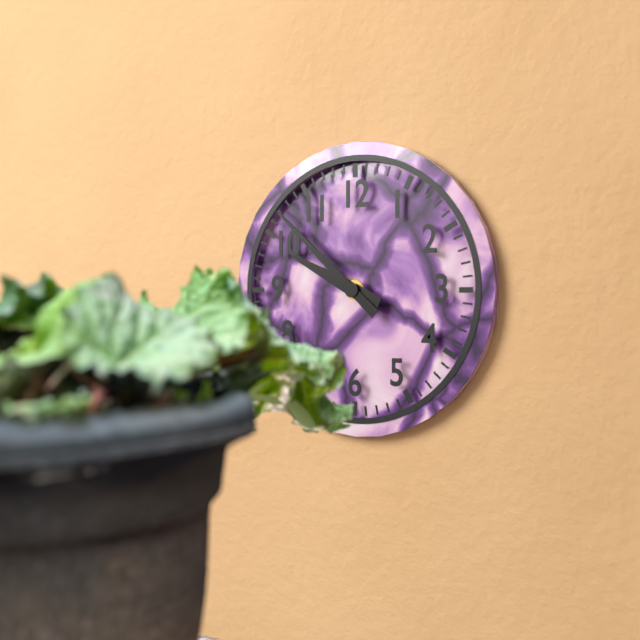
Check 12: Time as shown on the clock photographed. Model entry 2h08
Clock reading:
9h52
